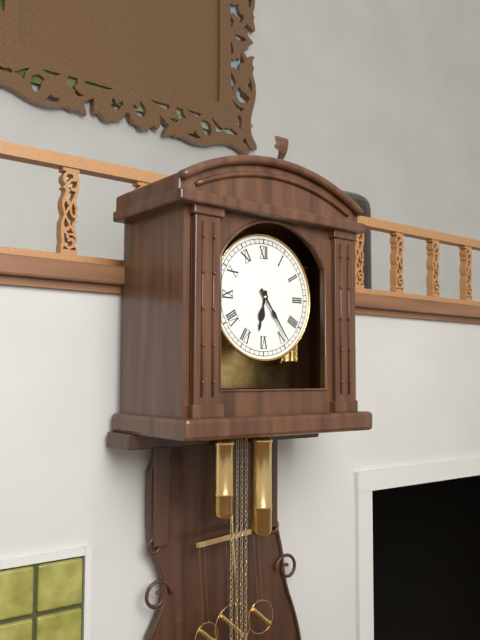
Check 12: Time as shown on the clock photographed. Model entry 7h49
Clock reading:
6h24
